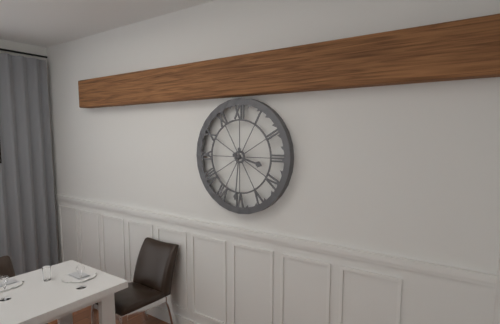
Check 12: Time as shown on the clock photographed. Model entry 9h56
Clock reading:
3h31
